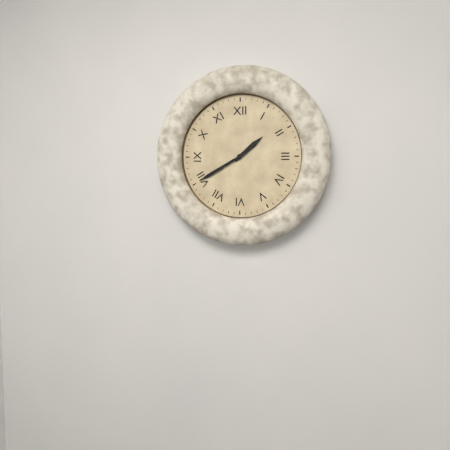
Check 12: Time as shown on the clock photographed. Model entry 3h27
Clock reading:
1h40
